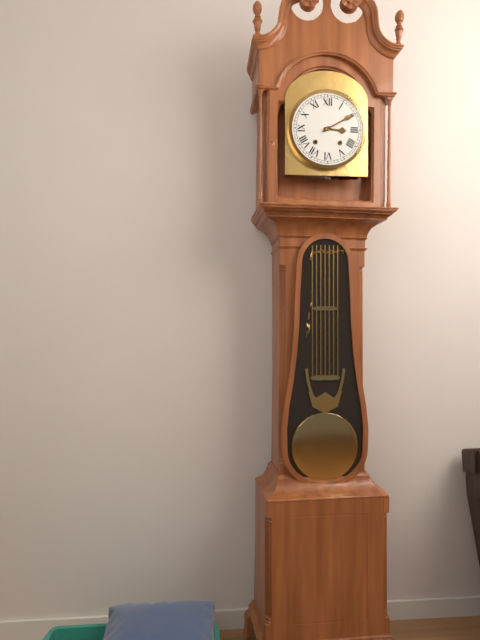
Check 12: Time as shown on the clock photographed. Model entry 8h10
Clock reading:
3h10
